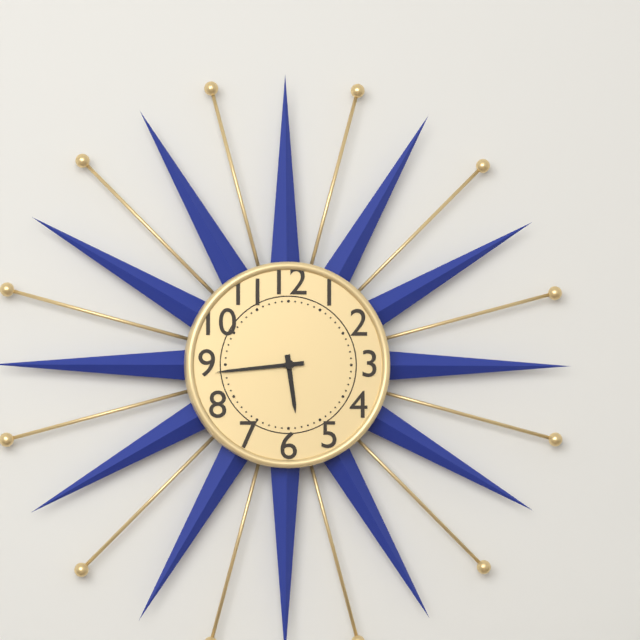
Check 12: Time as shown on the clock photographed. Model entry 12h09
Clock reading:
5h44
